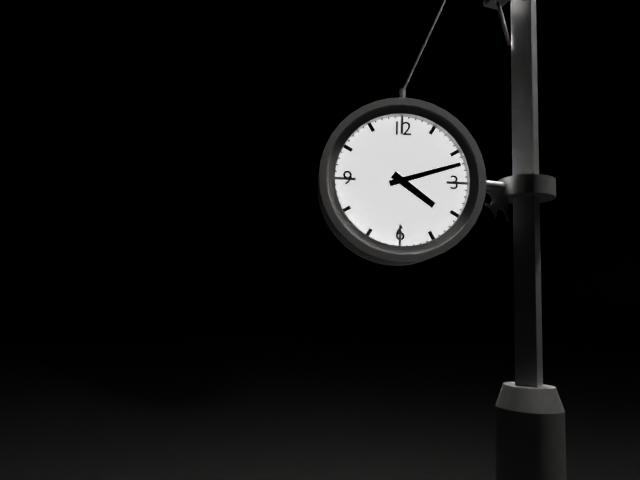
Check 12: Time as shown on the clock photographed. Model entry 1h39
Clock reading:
4h12
